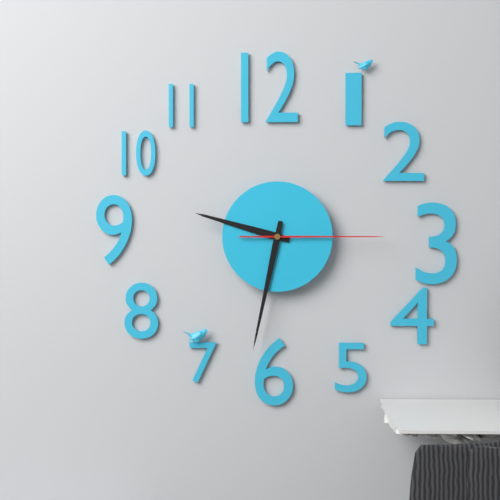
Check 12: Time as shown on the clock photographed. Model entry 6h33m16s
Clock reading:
9h32m15s
